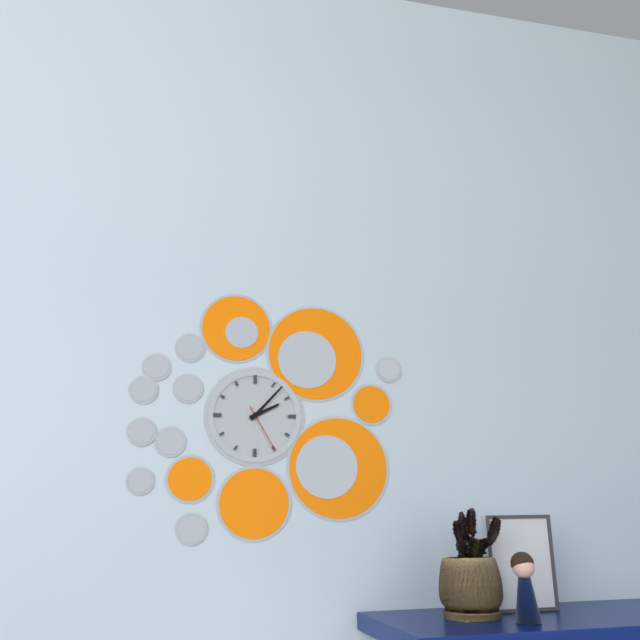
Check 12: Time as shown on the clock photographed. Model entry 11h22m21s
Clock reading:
2h07m25s
